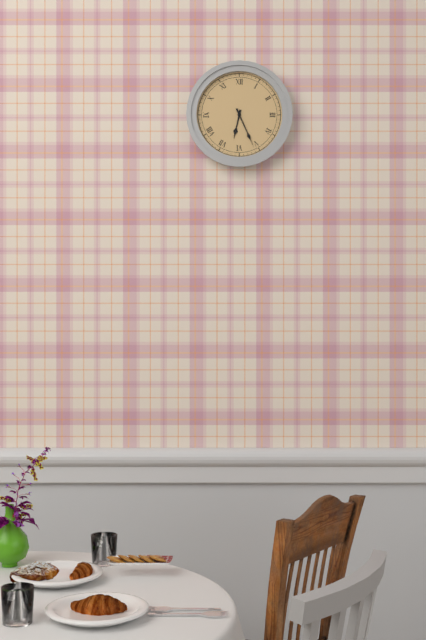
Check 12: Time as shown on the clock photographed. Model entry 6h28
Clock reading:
6h26
